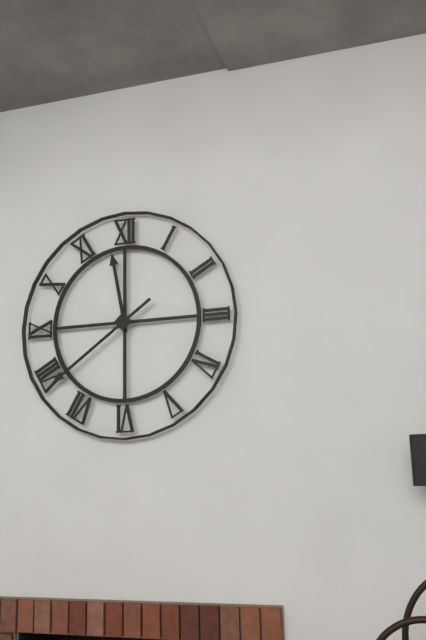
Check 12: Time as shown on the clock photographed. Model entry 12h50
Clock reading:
11h39
